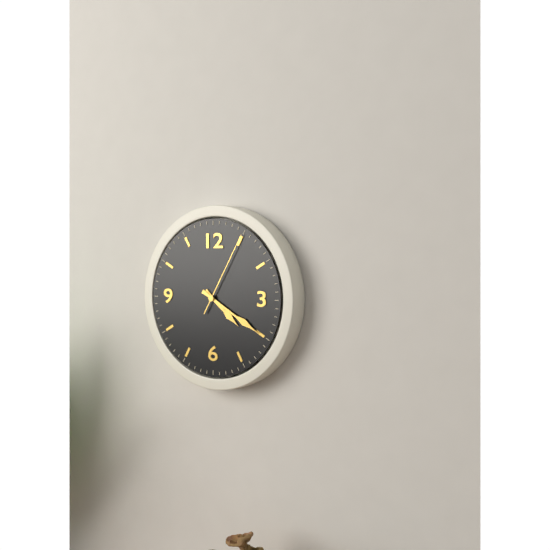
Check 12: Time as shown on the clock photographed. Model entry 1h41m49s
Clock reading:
4h20m05s
